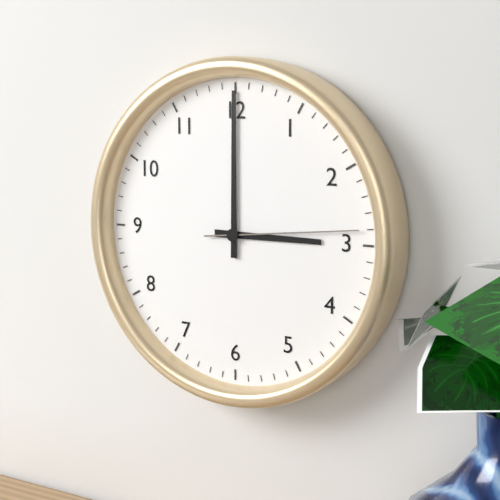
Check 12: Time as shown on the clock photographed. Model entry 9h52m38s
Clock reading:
3h00m14s
